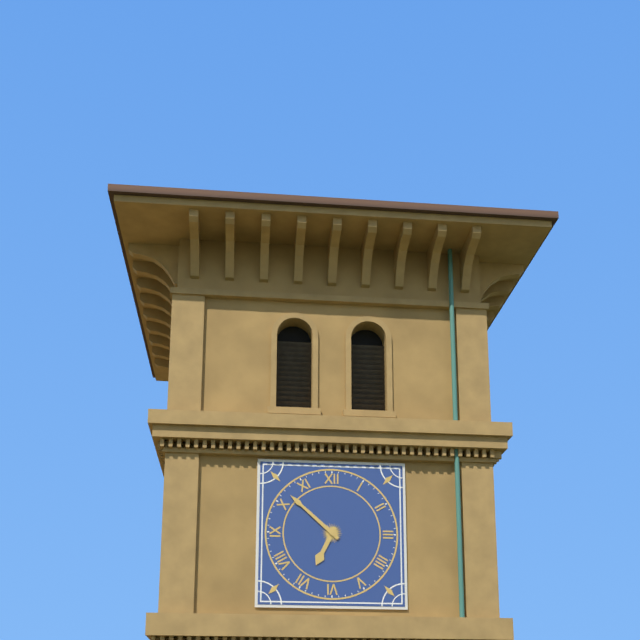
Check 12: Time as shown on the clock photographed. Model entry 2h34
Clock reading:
6h52
